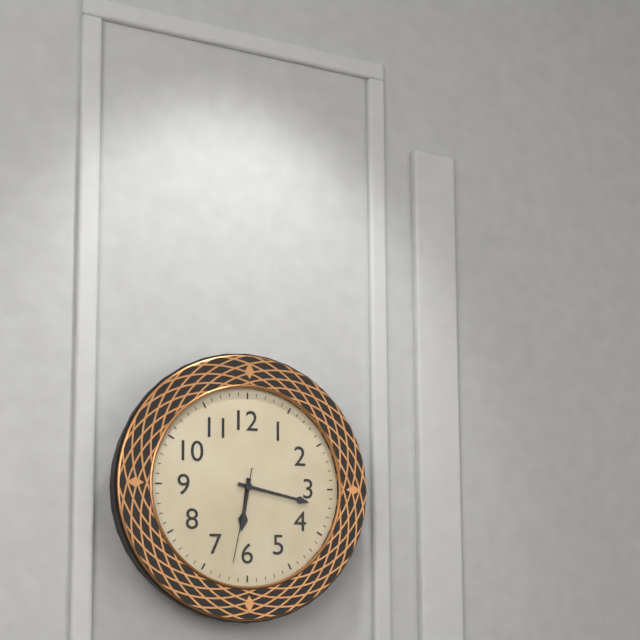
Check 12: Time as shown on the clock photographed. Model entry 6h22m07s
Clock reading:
6h17m32s
